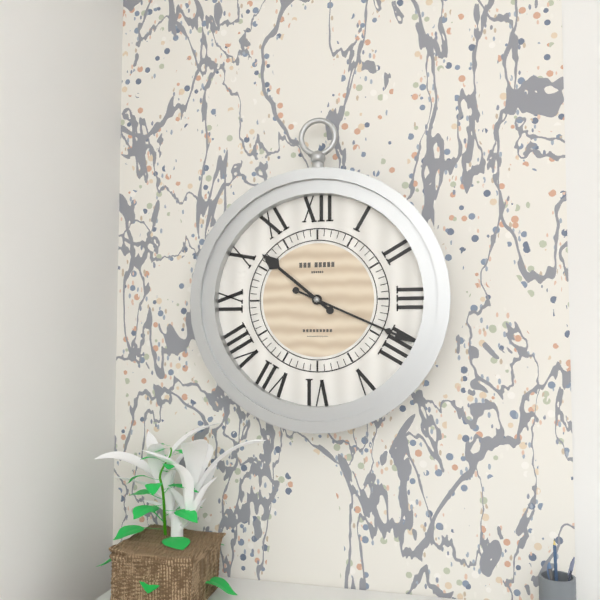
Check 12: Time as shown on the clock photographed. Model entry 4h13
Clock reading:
10h19
